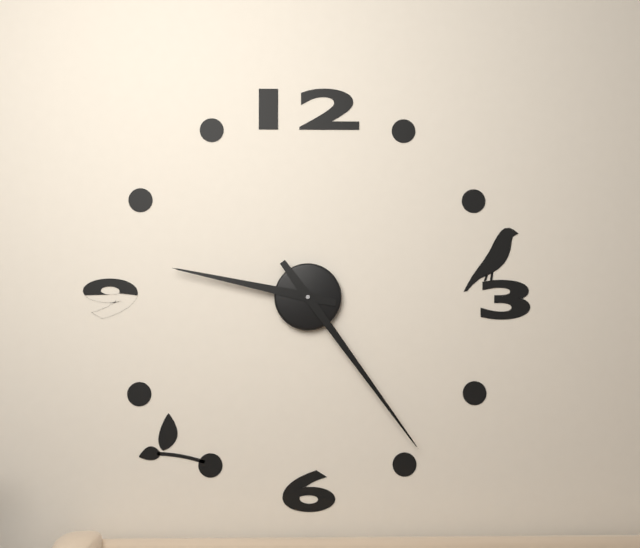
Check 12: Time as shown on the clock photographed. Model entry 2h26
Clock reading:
9h24
